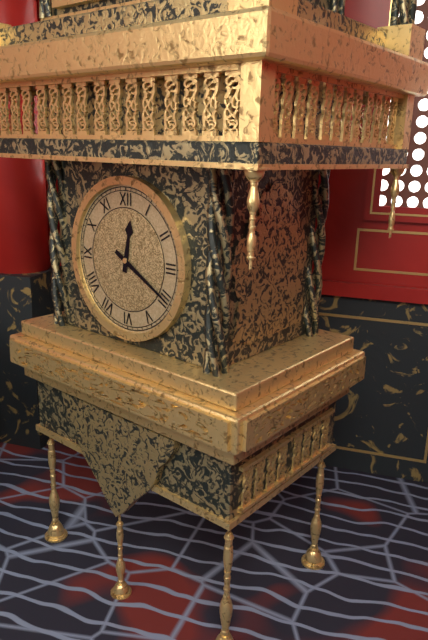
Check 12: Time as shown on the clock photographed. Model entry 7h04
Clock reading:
12h20
